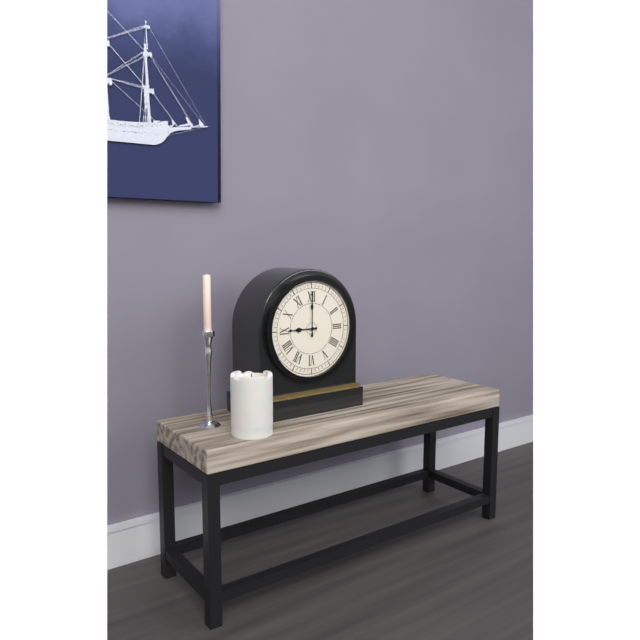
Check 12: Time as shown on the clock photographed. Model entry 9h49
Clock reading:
9h00
